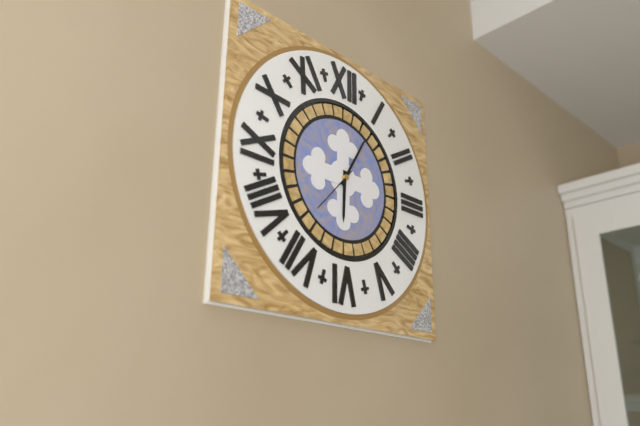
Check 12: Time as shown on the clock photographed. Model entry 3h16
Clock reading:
6h05
